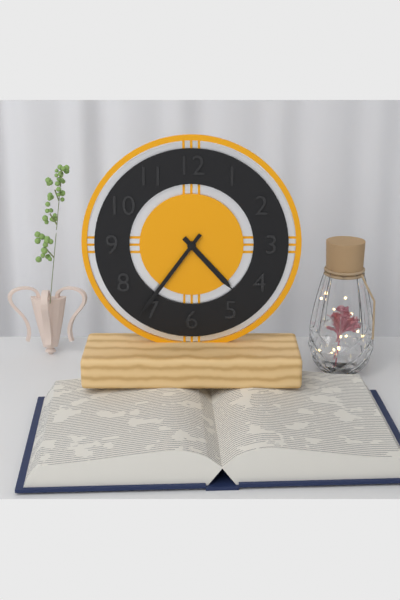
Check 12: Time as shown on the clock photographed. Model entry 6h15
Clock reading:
4h36
